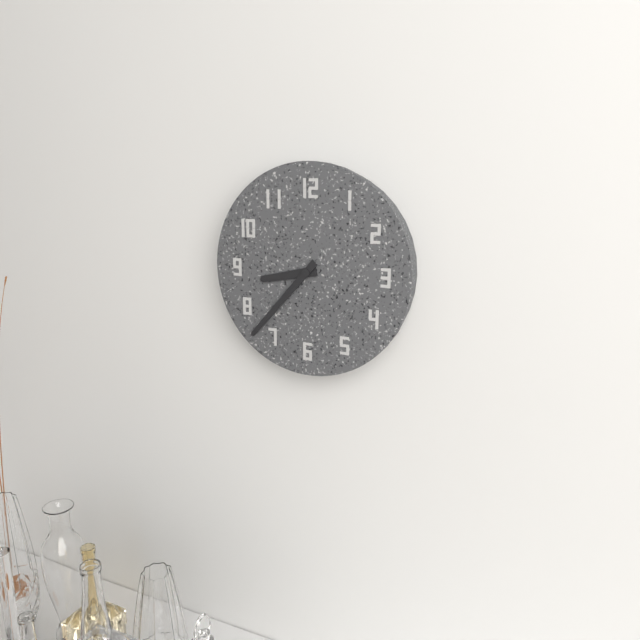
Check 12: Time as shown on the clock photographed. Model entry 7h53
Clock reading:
8h37
